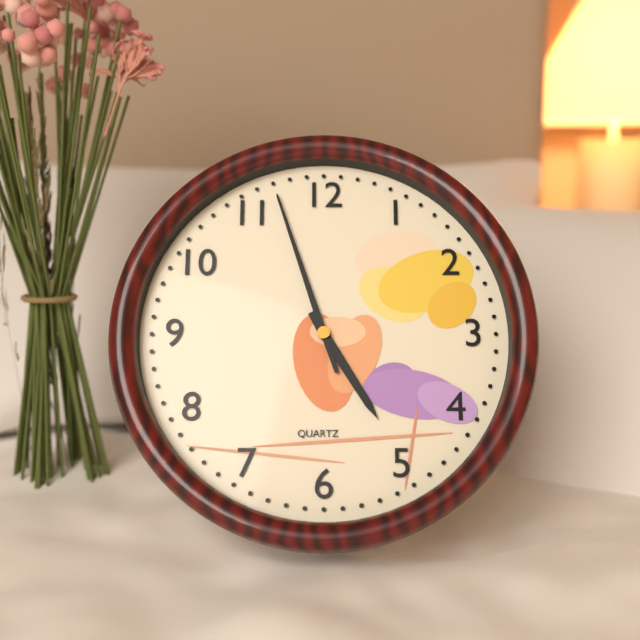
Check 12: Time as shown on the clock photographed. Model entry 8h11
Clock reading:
4h57
